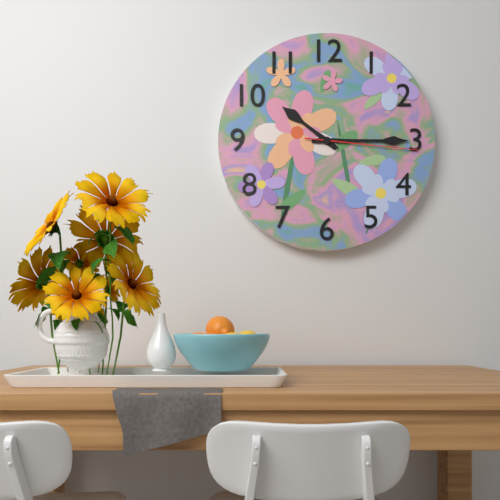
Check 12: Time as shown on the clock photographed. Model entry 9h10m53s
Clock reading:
10h15m16s
